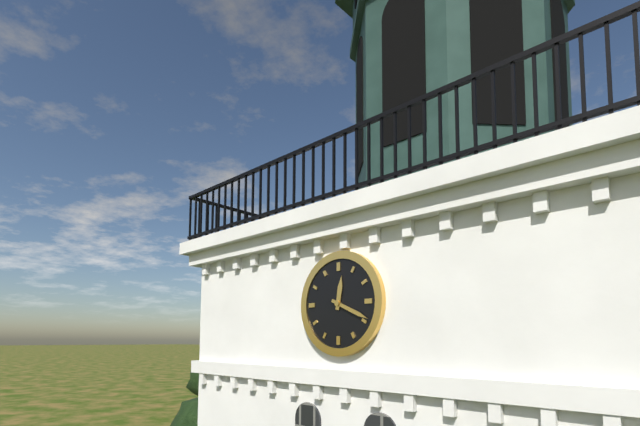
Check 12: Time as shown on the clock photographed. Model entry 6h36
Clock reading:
12h19
